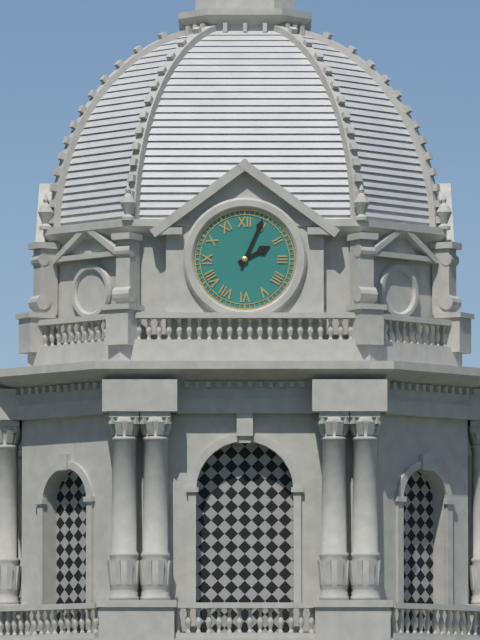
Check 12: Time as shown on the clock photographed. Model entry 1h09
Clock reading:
2h04
